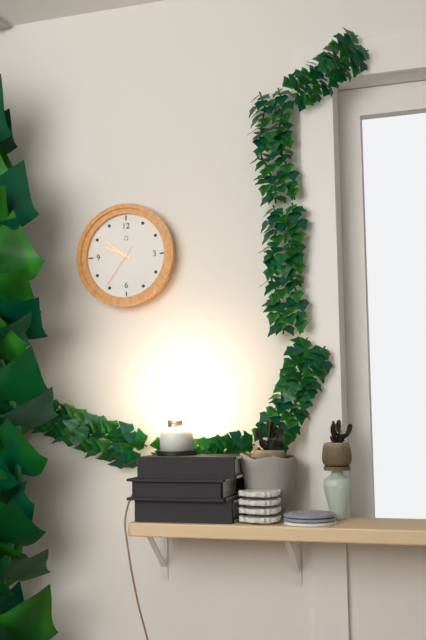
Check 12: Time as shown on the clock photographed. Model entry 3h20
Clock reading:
9h51
